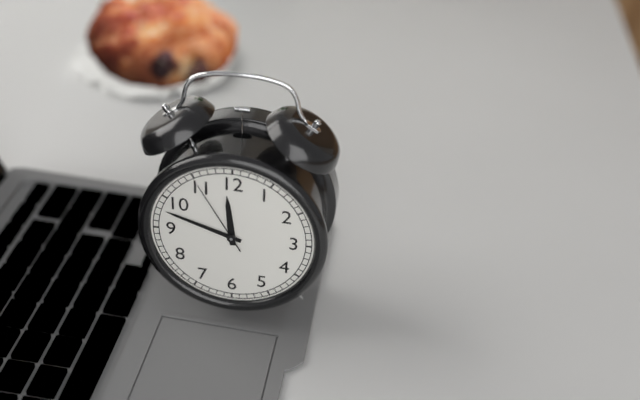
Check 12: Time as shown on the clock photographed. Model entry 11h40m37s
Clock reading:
11h48m55s
